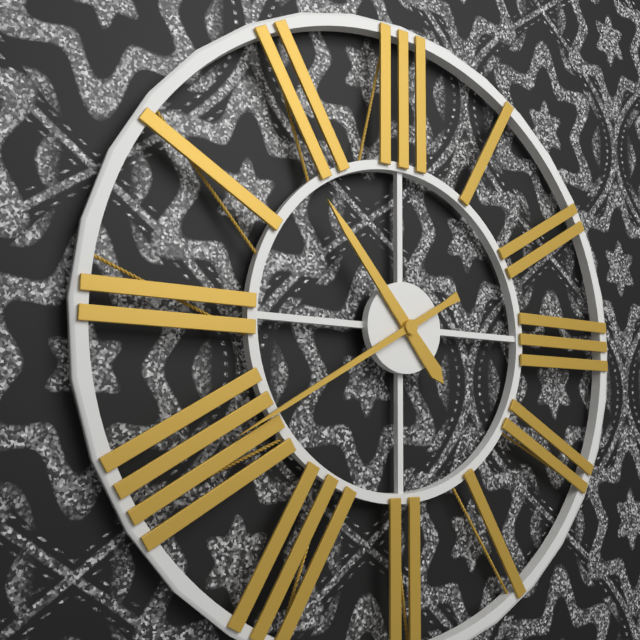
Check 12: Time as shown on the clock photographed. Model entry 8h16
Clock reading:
10h40
